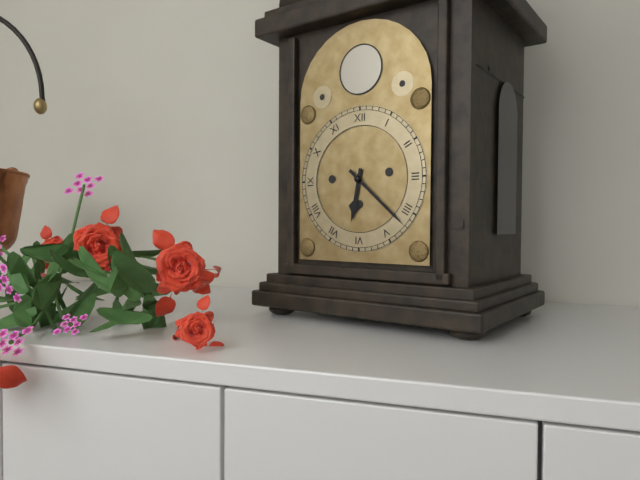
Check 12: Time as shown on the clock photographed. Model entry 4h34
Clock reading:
6h22
